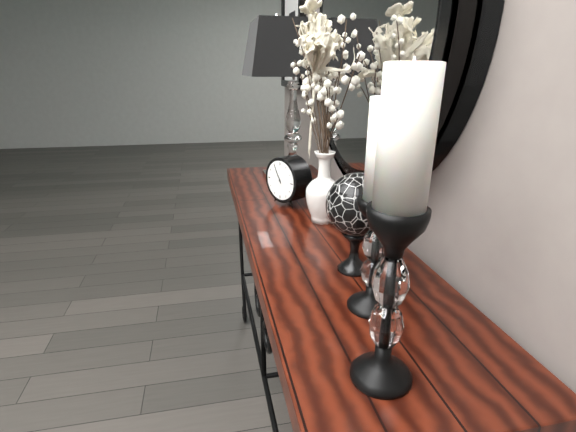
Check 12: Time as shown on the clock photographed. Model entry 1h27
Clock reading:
10h55
